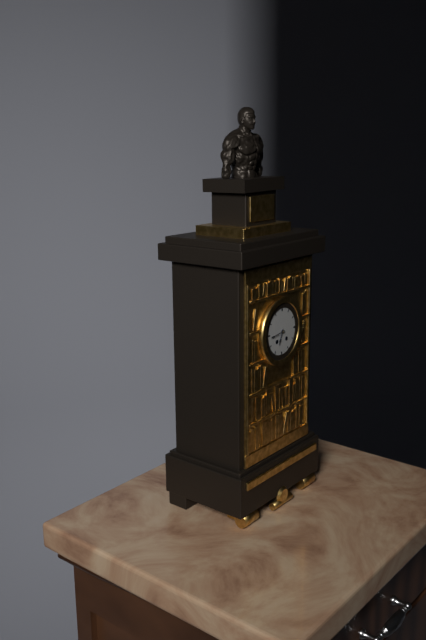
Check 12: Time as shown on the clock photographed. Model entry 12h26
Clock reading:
6h44
